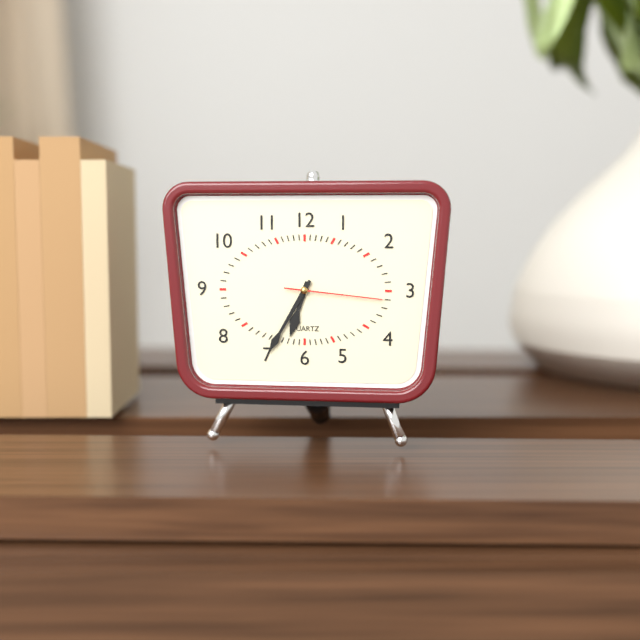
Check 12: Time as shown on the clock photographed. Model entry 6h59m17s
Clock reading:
6h35m16s
